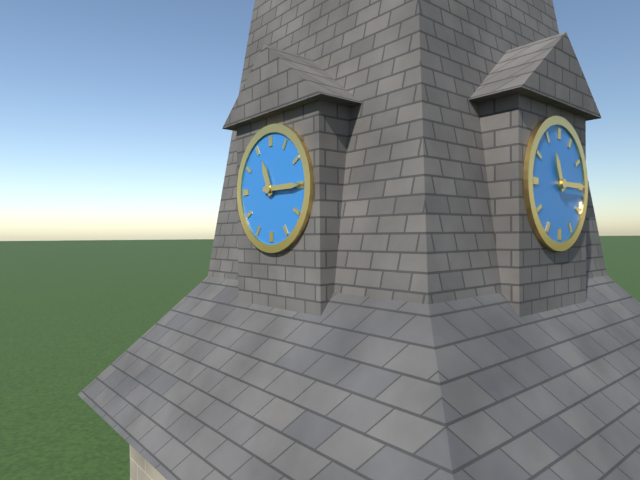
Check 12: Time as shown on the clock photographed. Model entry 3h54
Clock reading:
11h15
